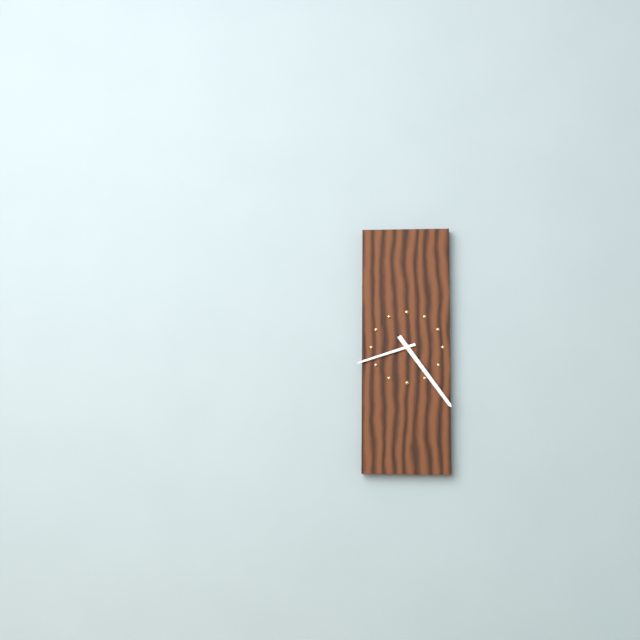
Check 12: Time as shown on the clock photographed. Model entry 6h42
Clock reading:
8h24
